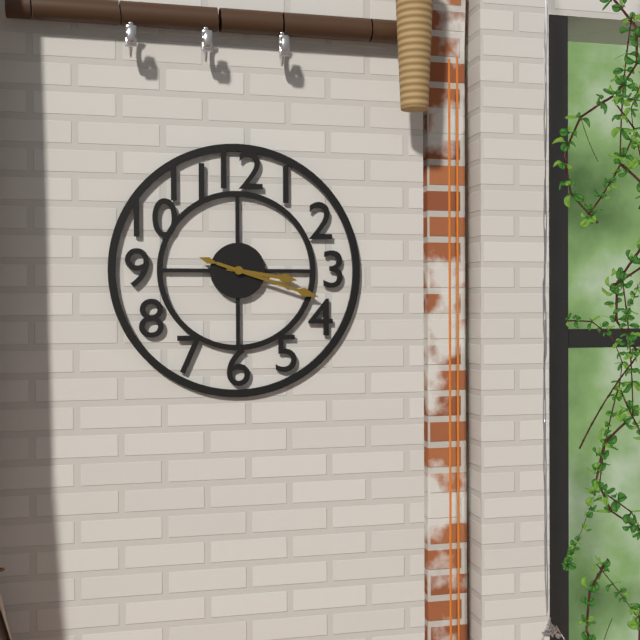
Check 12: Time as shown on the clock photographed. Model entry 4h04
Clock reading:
3h18
